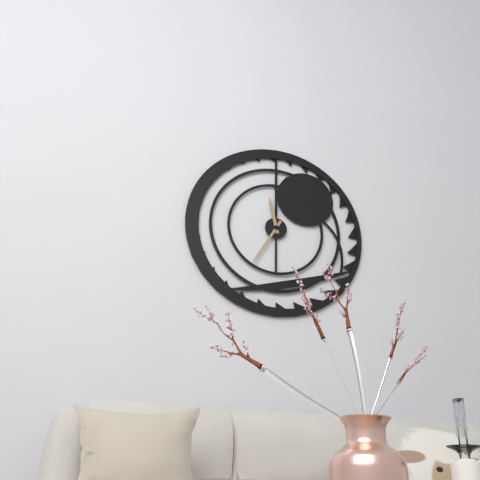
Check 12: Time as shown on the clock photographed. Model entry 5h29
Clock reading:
11h35
